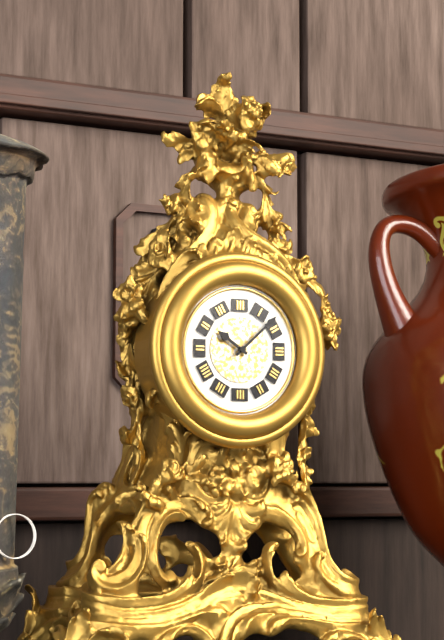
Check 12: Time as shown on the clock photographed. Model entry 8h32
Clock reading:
10h08
